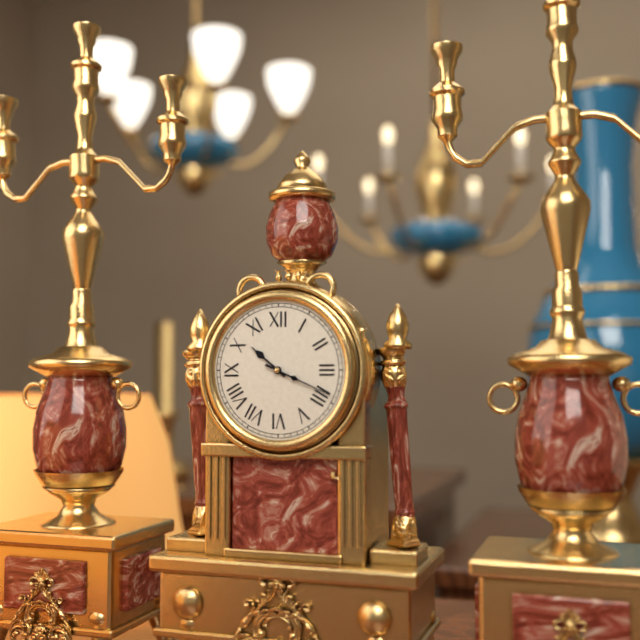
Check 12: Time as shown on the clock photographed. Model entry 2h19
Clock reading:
10h19
